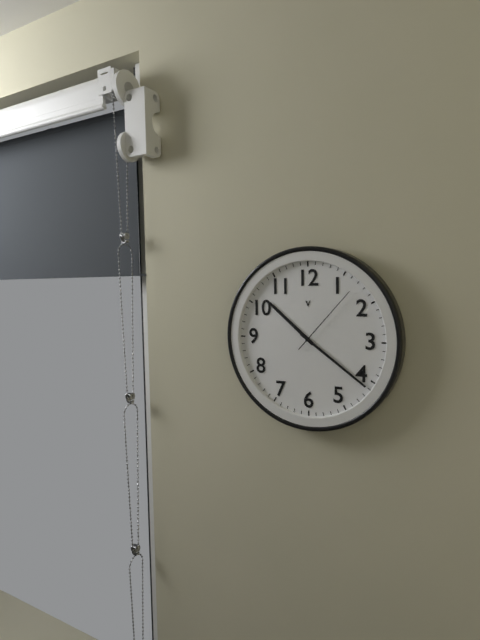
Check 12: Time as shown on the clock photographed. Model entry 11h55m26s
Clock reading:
10h21m07s
